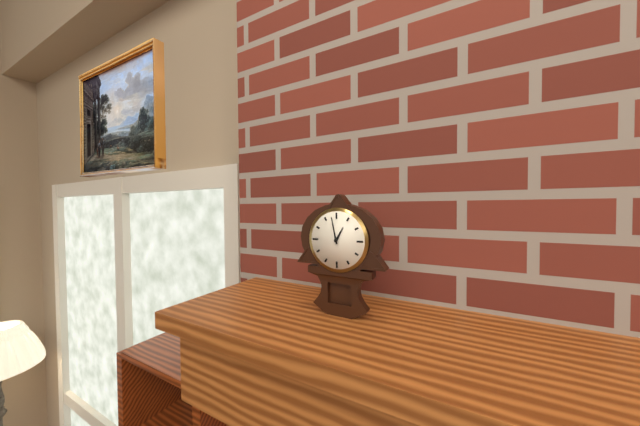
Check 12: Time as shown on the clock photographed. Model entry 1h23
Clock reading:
12h58
